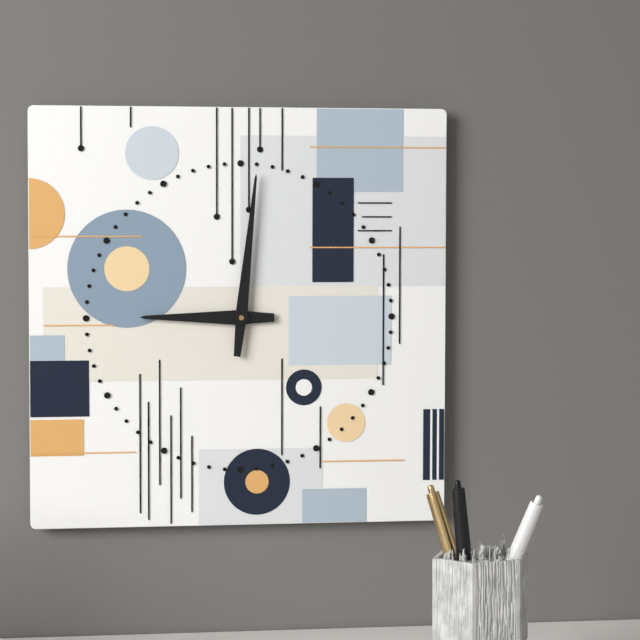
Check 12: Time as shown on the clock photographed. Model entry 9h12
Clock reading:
9h01
